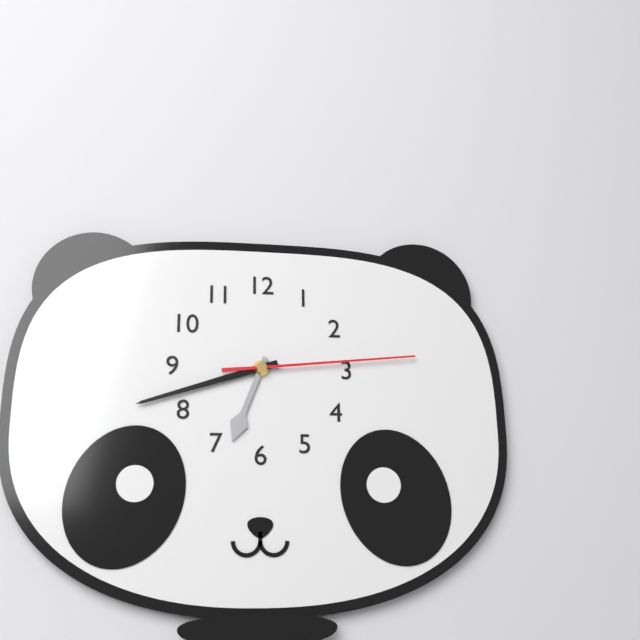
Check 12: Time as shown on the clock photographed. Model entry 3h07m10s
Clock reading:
6h42m14s
